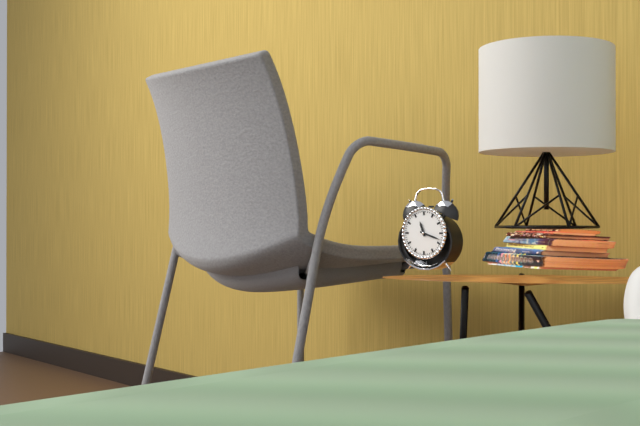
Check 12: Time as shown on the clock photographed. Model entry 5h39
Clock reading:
11h18
